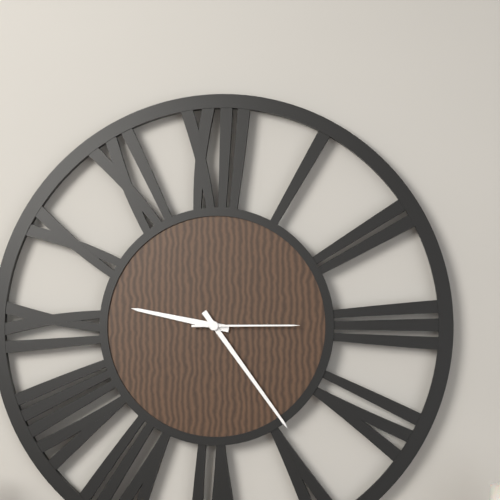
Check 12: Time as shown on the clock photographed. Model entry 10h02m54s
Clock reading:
9h24m15s
